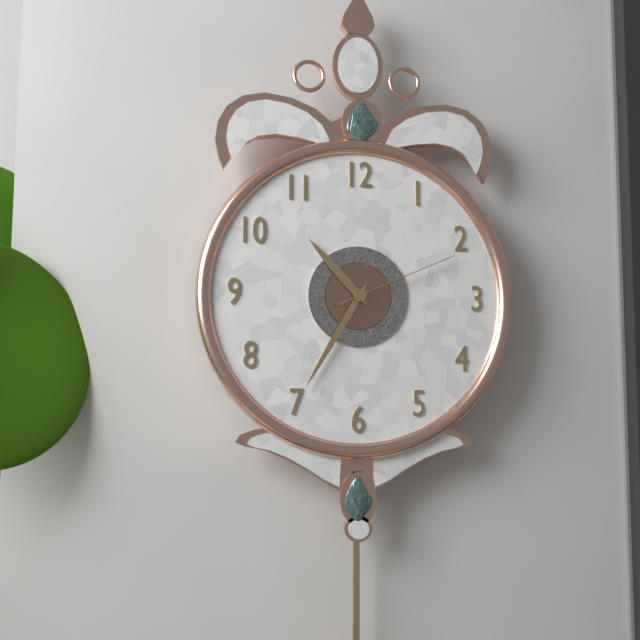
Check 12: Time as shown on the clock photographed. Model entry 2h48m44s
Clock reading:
10h35m11s
